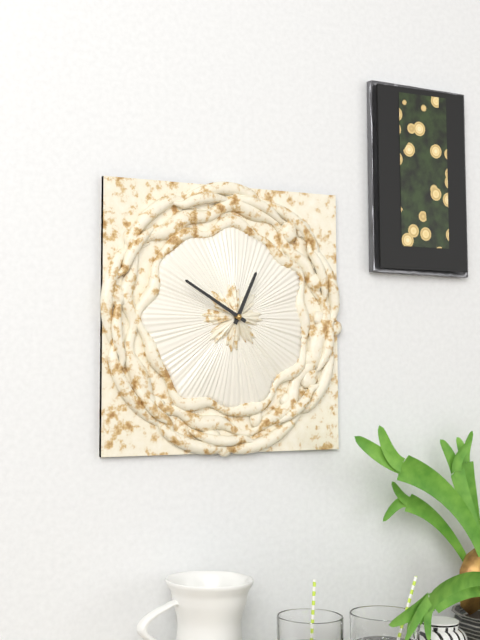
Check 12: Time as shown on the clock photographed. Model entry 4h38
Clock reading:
12h50
